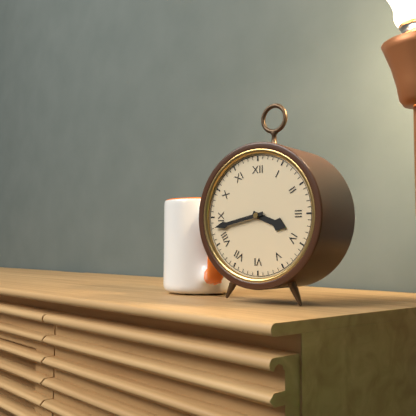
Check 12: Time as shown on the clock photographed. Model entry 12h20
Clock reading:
3h43
